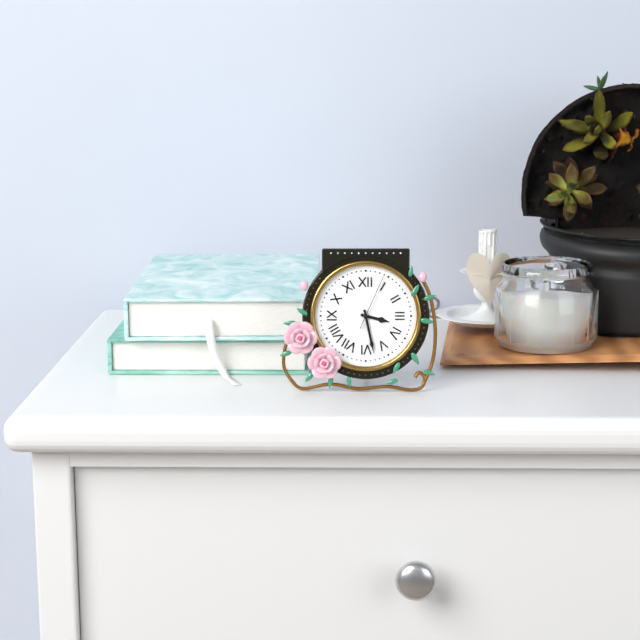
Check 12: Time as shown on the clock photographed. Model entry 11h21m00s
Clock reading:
3h28m04s
